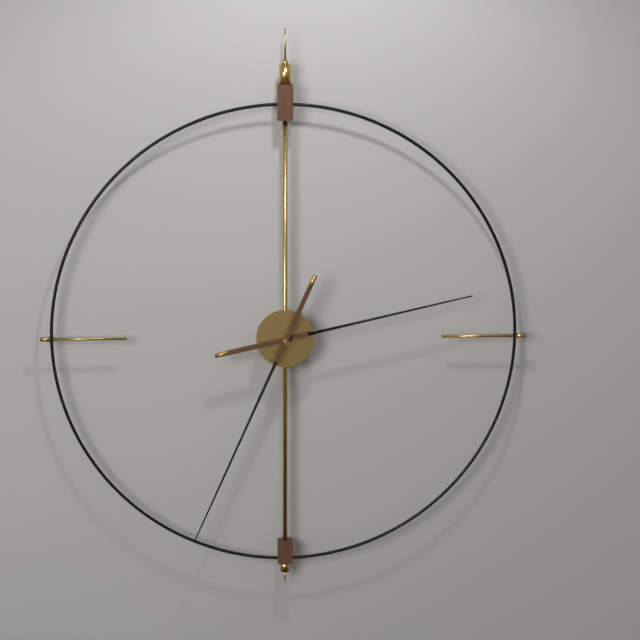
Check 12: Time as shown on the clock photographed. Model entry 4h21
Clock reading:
2h34
